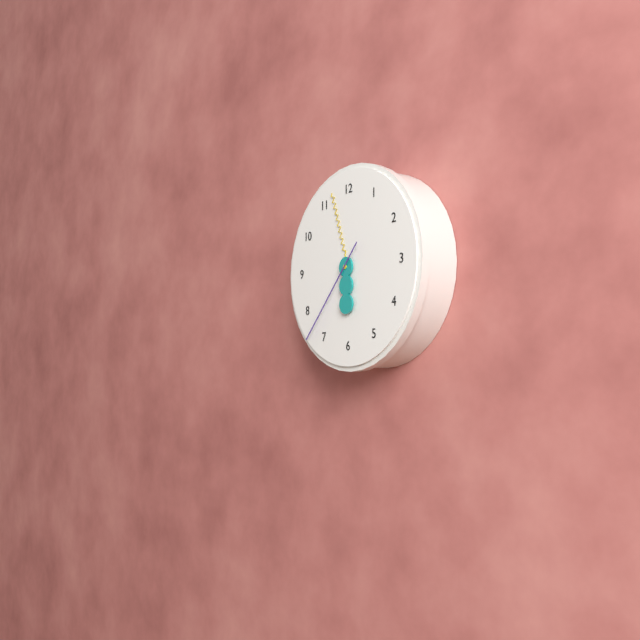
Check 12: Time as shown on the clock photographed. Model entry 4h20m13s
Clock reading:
5h57m37s
